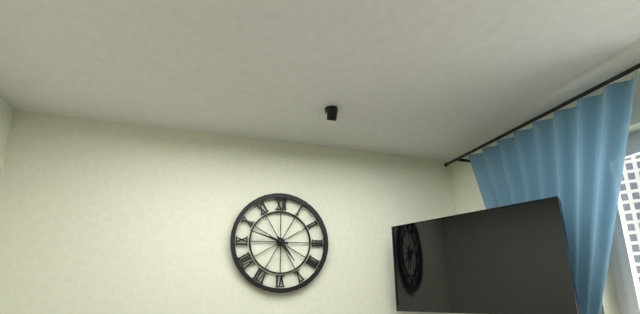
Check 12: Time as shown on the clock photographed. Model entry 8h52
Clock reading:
4h48
